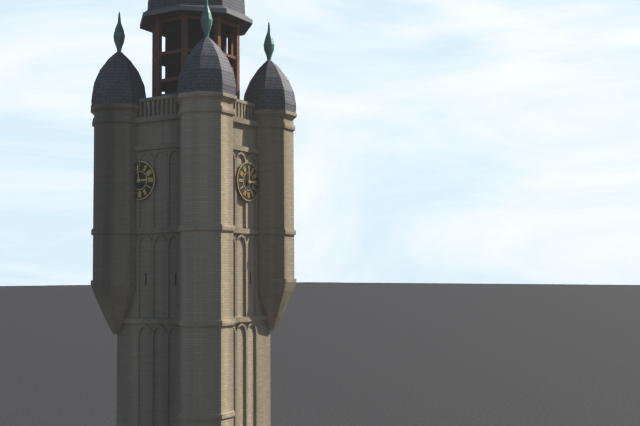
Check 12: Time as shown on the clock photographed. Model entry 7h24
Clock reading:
2h59
